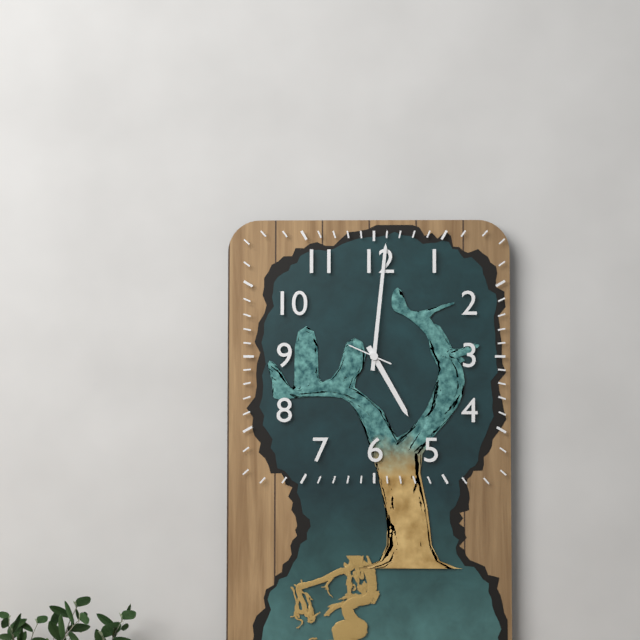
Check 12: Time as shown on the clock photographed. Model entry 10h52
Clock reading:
5h01
